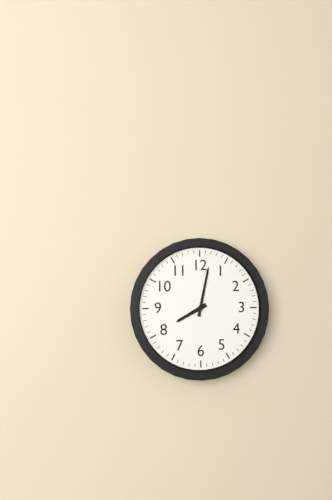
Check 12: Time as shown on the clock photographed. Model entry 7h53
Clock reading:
8h02
